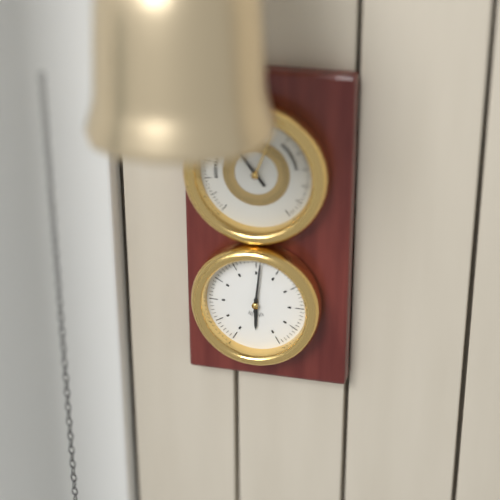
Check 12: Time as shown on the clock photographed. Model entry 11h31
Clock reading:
6h01
